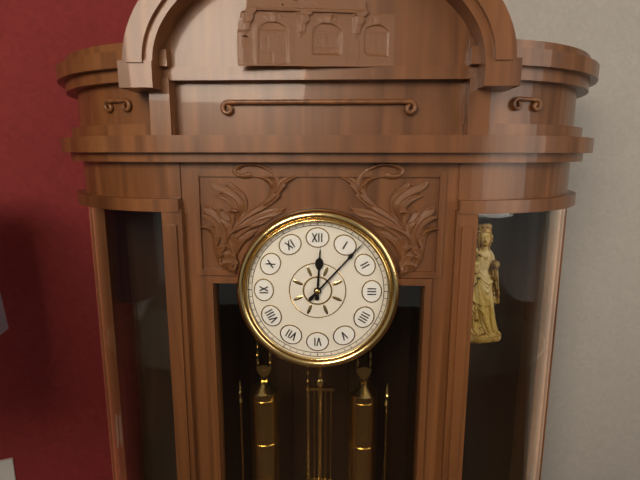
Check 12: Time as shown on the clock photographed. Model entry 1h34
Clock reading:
12h07
